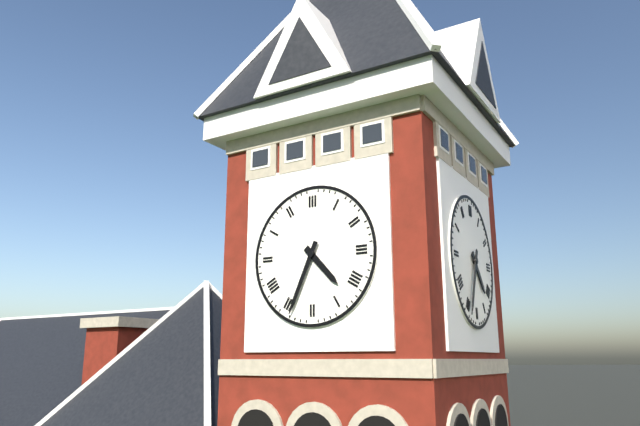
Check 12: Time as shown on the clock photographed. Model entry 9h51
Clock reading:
4h34
